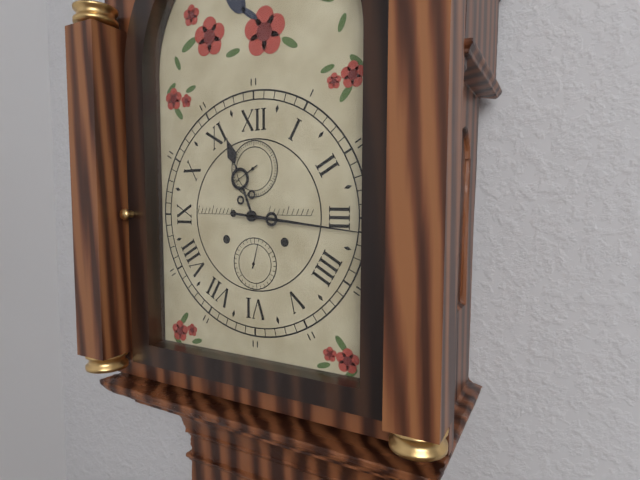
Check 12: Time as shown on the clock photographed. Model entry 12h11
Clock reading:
11h16
